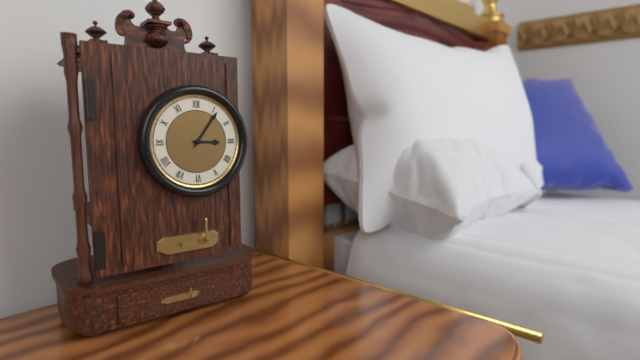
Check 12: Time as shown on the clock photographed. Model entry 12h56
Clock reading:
3h06
